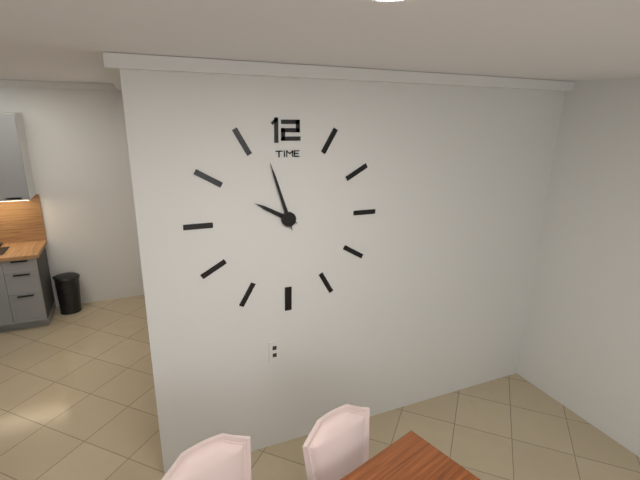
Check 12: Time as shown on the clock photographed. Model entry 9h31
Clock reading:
9h57
